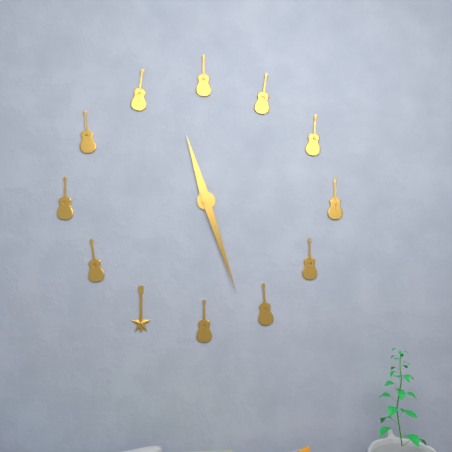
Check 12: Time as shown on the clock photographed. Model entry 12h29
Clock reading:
11h27
